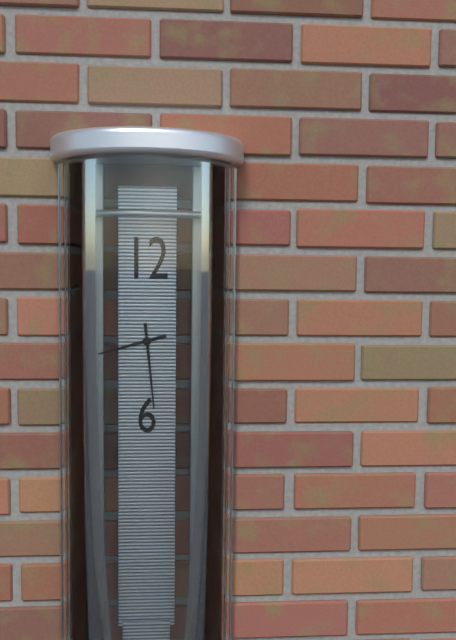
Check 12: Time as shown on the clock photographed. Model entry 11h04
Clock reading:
8h29
